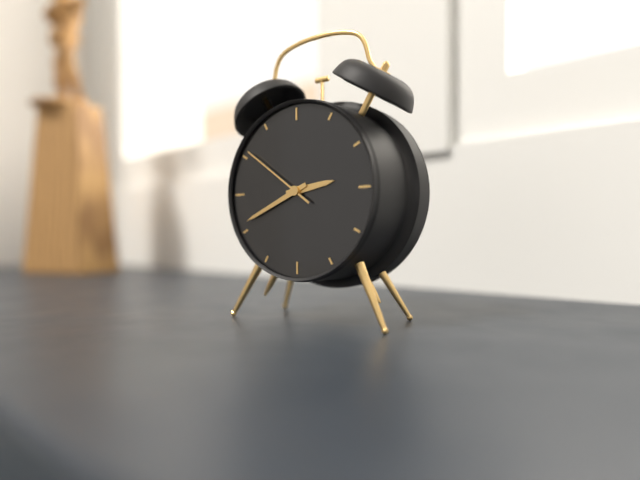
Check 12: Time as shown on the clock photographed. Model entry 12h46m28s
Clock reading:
2h41m51s
